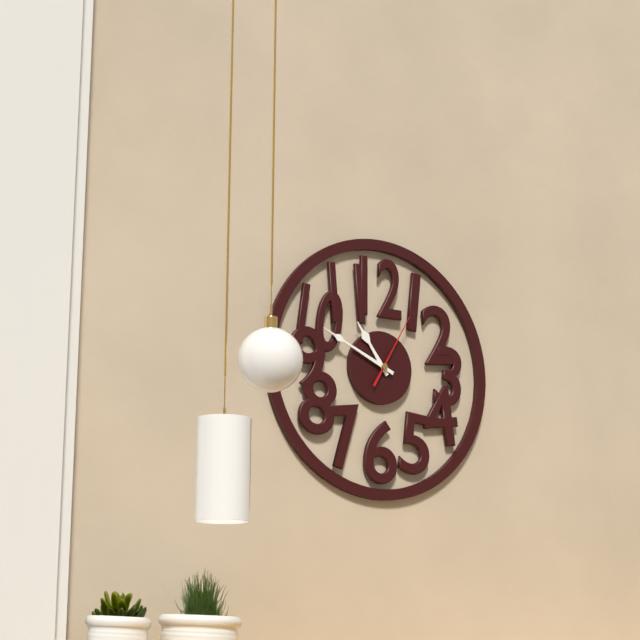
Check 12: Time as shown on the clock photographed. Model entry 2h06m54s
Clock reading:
10h49m05s
